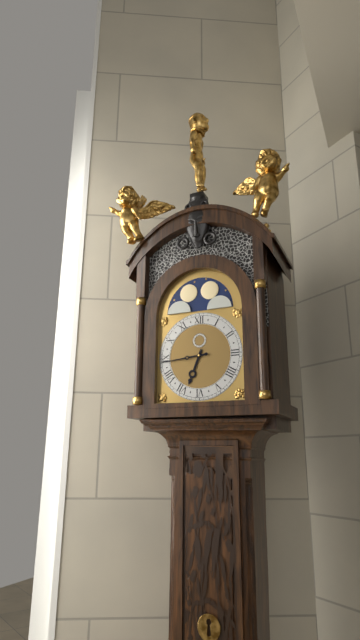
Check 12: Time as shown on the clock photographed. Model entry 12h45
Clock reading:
6h44
